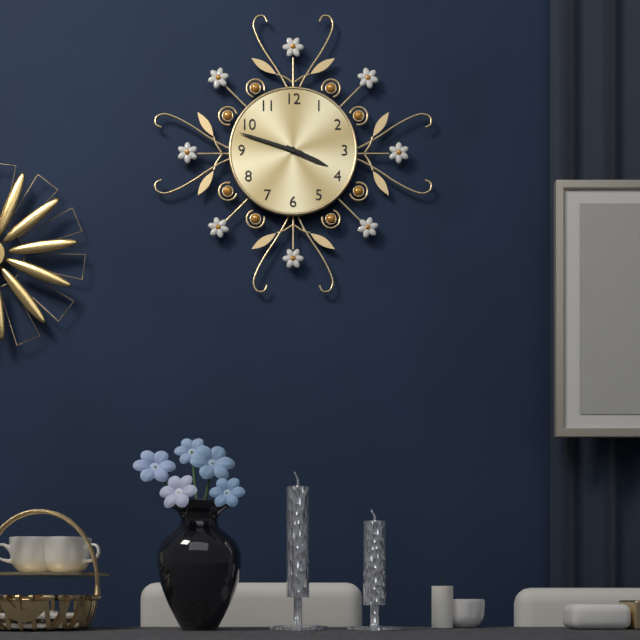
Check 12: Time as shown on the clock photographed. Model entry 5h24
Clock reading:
3h48
